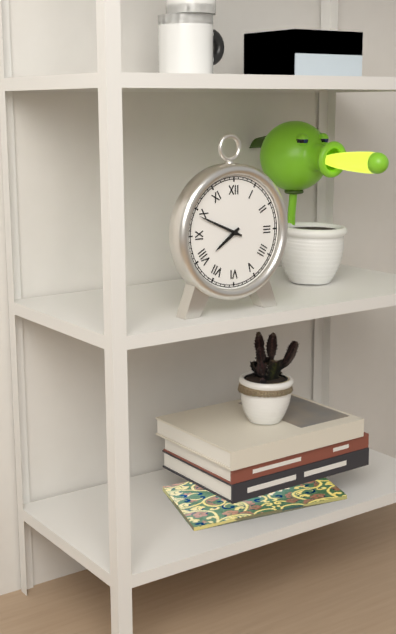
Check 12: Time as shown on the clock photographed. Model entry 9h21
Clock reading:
7h49
